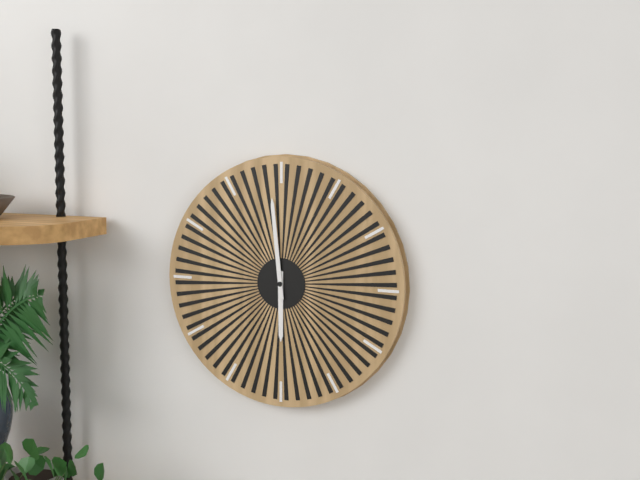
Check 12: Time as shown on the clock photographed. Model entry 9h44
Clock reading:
5h59
